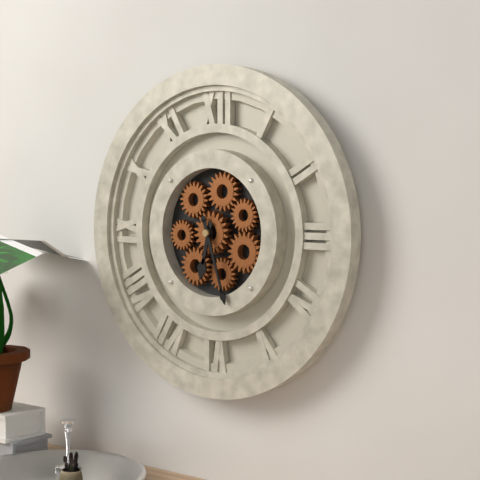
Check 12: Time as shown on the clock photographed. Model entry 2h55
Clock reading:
6h27
